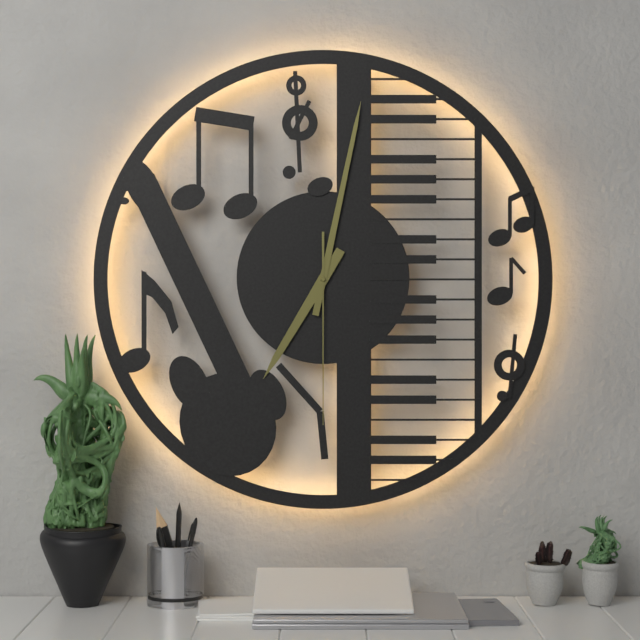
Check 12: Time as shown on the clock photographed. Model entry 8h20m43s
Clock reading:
7h02m30s
